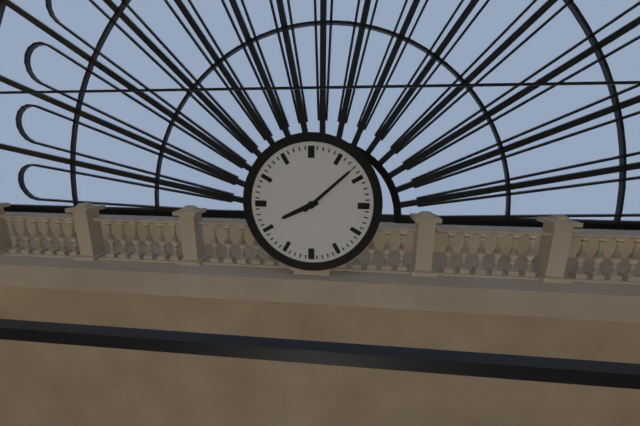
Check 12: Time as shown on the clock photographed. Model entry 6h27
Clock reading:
8h08
